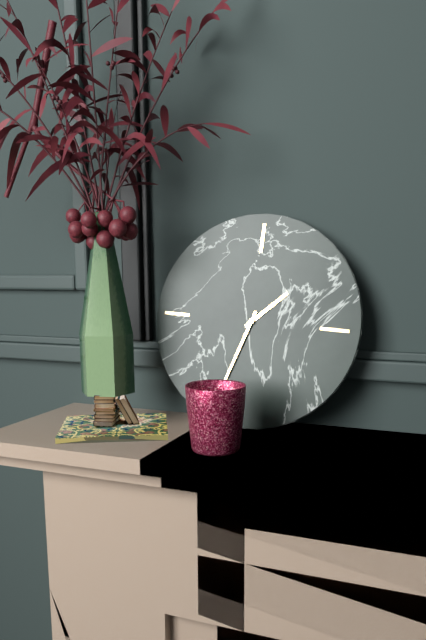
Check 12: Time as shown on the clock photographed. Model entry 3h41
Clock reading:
1h33
